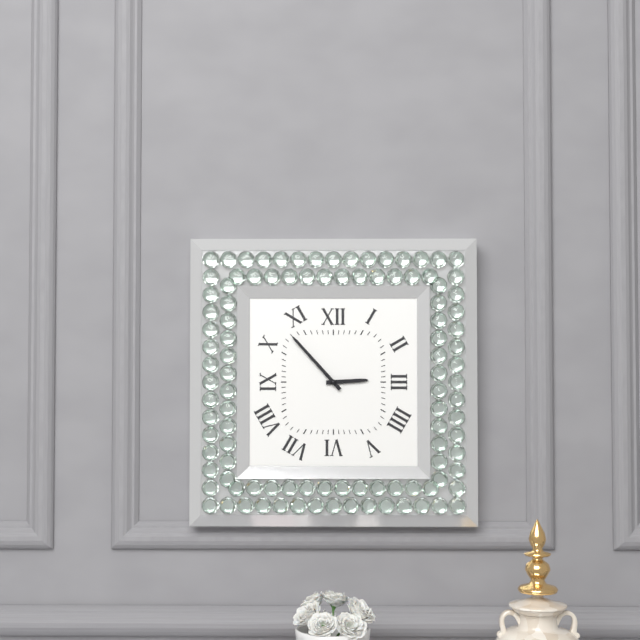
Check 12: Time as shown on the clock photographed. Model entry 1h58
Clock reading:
2h53
